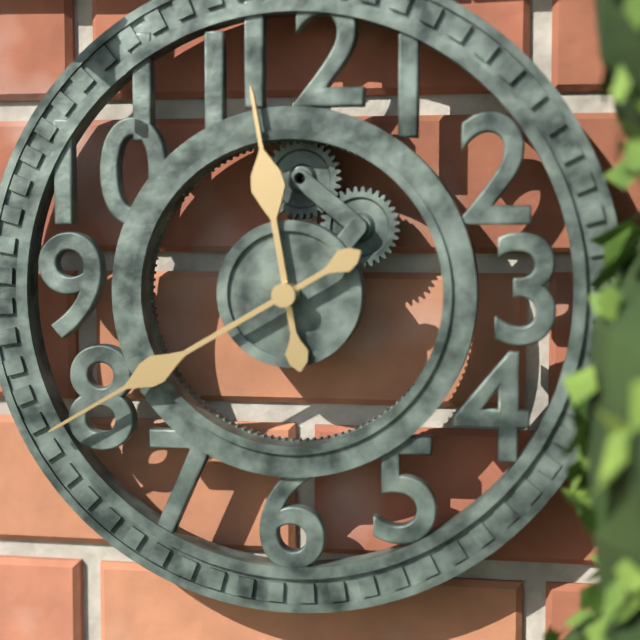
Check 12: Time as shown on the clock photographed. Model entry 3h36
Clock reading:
11h40
